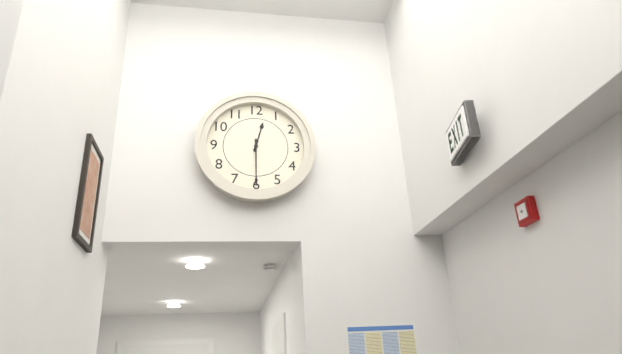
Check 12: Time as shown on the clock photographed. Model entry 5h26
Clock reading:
12h30
